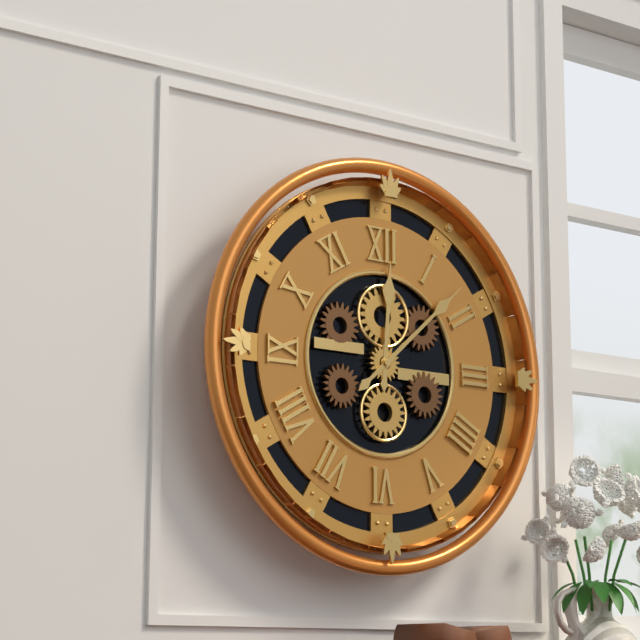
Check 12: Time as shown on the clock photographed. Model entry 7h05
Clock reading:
12h08
